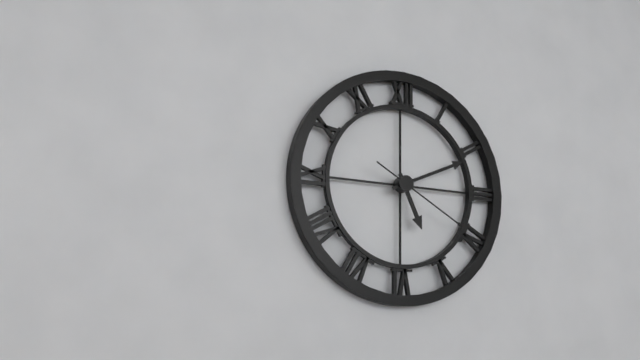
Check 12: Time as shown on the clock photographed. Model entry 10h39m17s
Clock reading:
5h11m20s
